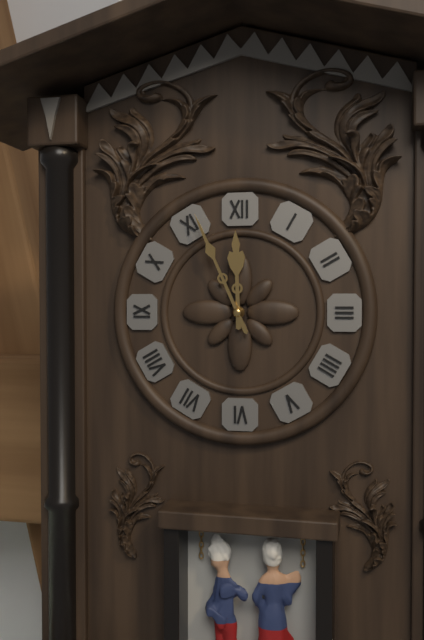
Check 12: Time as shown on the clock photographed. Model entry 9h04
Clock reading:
11h56
